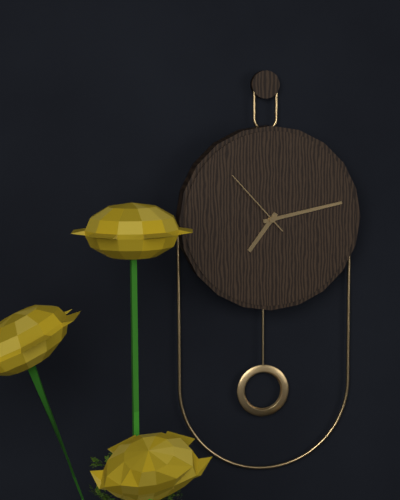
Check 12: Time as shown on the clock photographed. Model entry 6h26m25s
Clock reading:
7h13m53s
